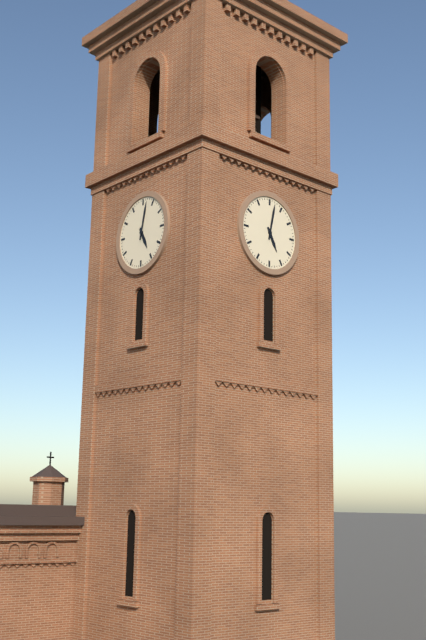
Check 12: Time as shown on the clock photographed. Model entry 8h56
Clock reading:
5h02
